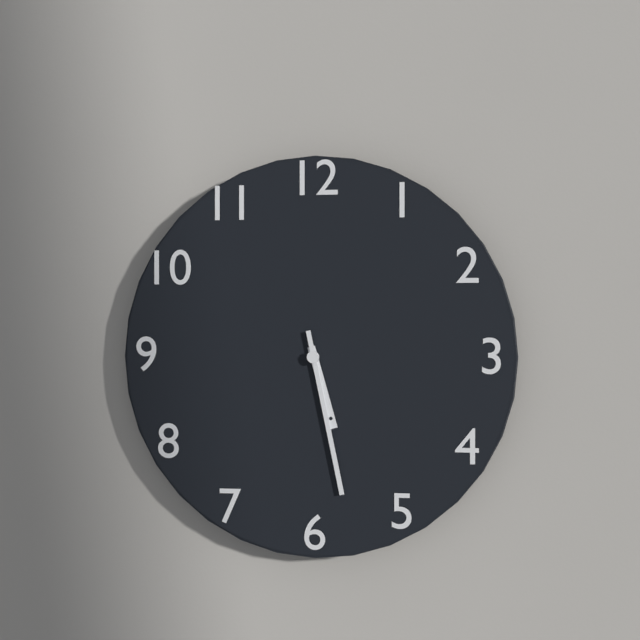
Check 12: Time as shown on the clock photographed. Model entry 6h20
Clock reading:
5h28
